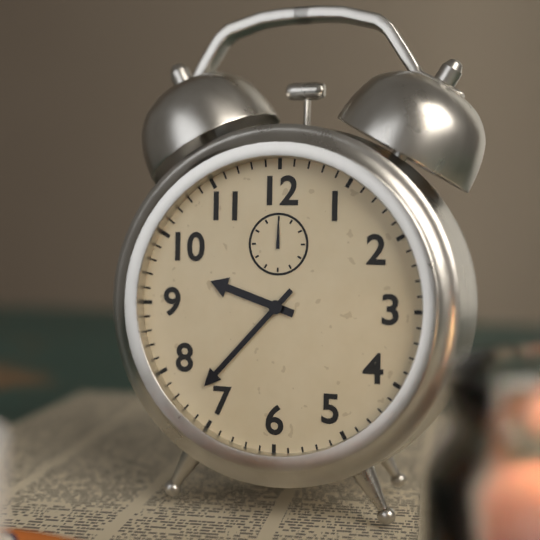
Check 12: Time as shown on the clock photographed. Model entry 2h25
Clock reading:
9h37
